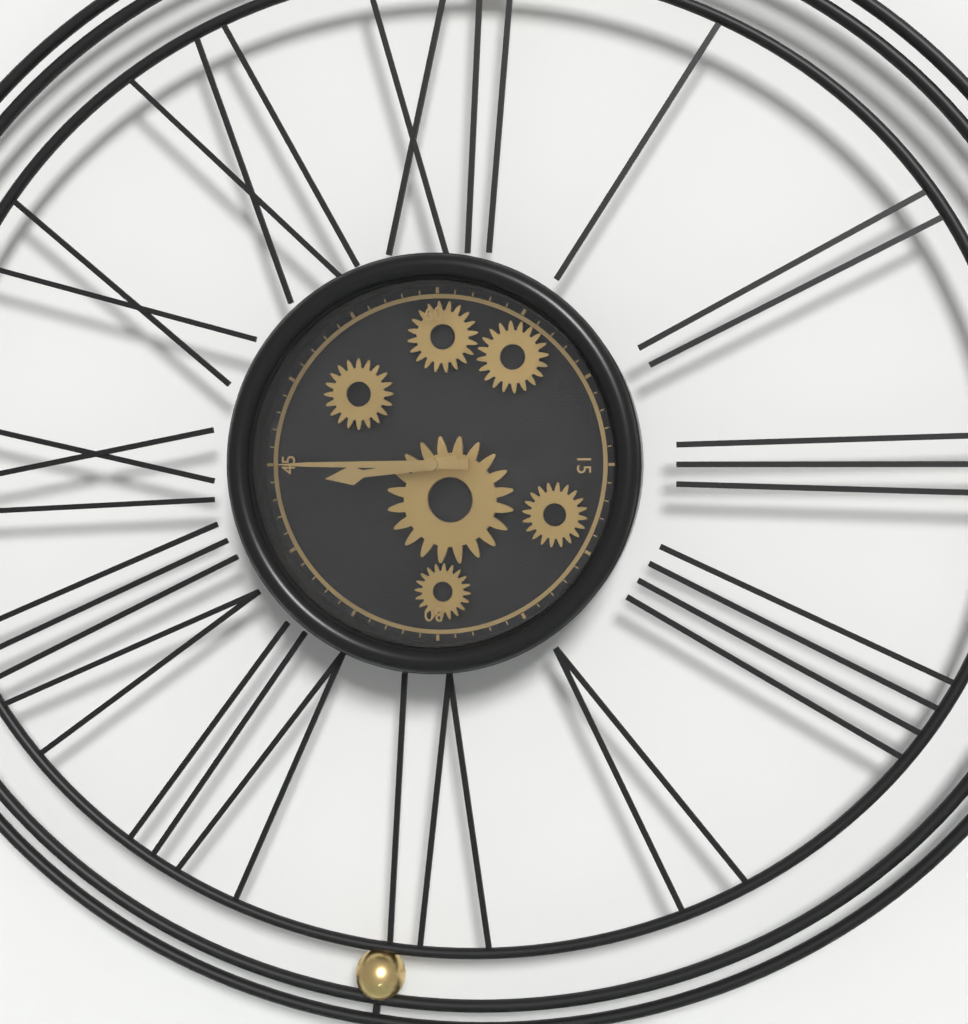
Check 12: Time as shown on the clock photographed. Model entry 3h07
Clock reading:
8h45
